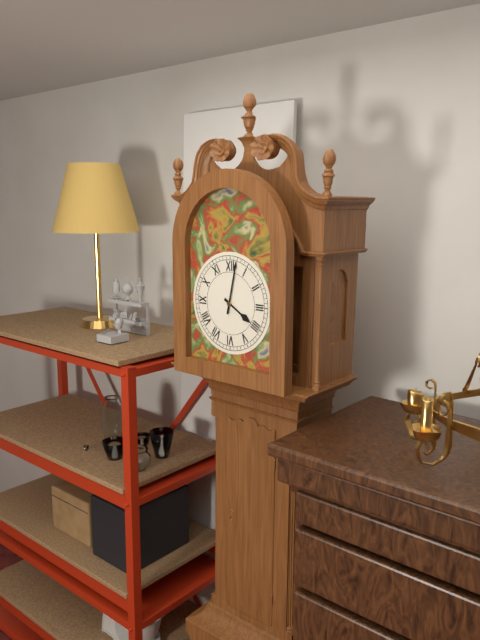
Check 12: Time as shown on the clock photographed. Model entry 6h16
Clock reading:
4h02
